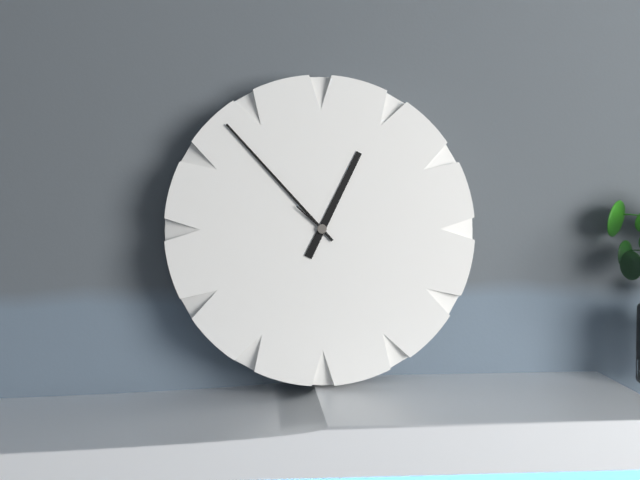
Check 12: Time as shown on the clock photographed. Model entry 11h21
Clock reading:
12h53
